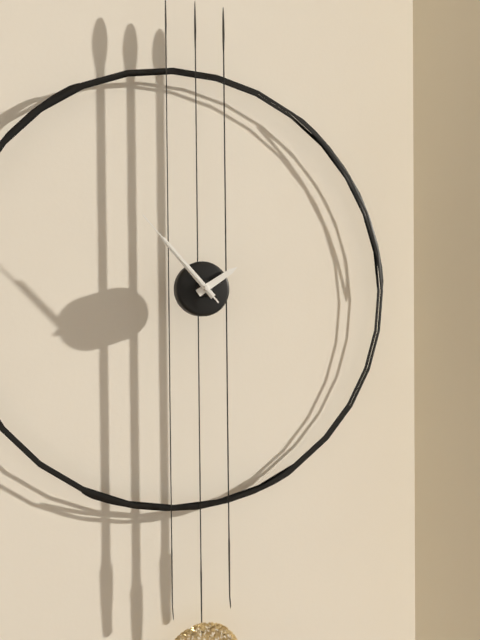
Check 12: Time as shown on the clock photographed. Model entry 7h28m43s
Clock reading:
1h53m53s
